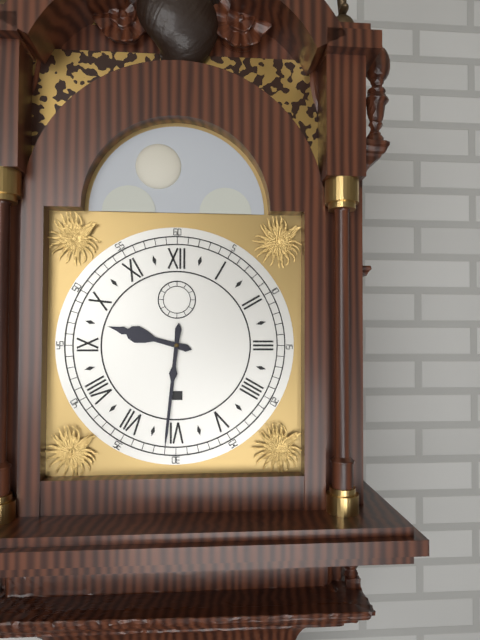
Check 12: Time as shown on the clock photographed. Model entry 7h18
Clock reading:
9h31
